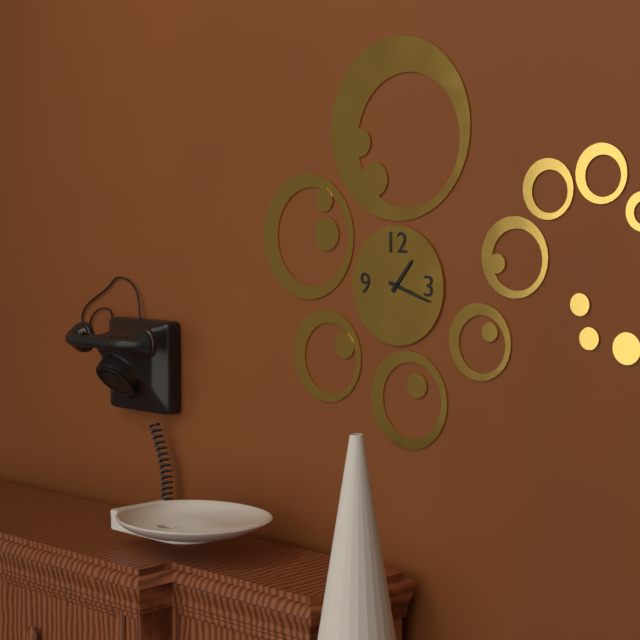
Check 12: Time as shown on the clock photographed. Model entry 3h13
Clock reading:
1h18
